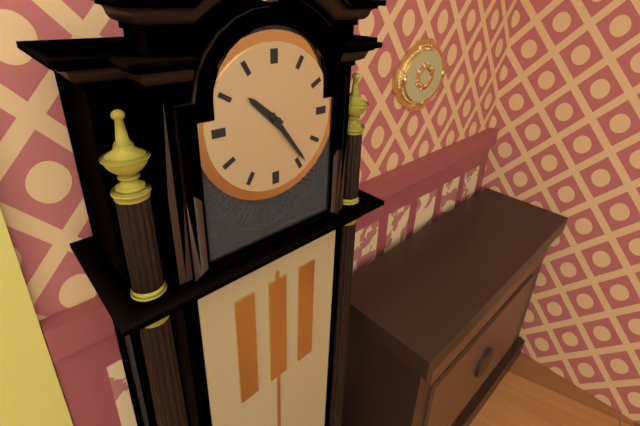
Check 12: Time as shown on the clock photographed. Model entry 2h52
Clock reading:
10h24
